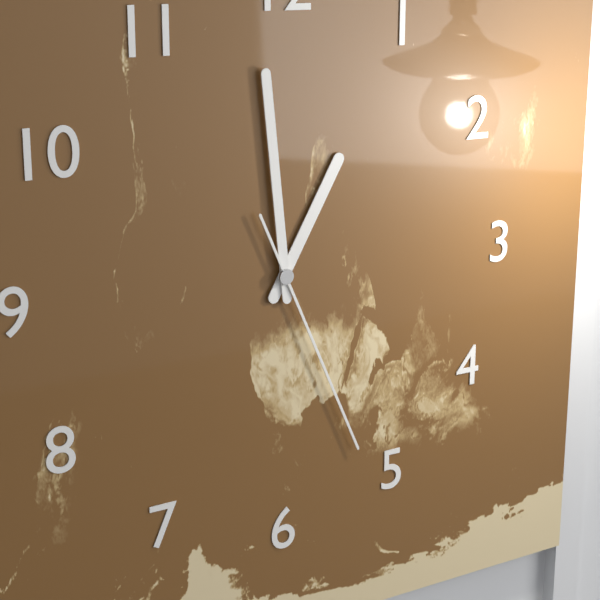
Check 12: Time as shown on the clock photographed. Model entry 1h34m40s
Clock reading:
12h59m26s
